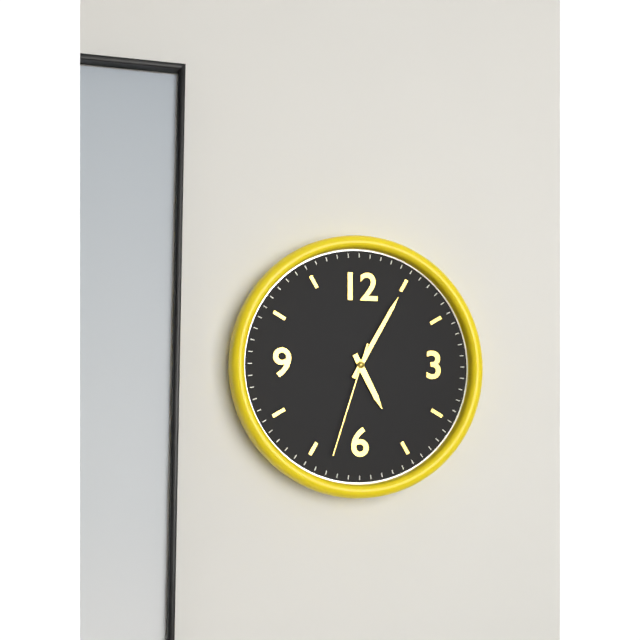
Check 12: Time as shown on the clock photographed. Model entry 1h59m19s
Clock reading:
5h05m33s
